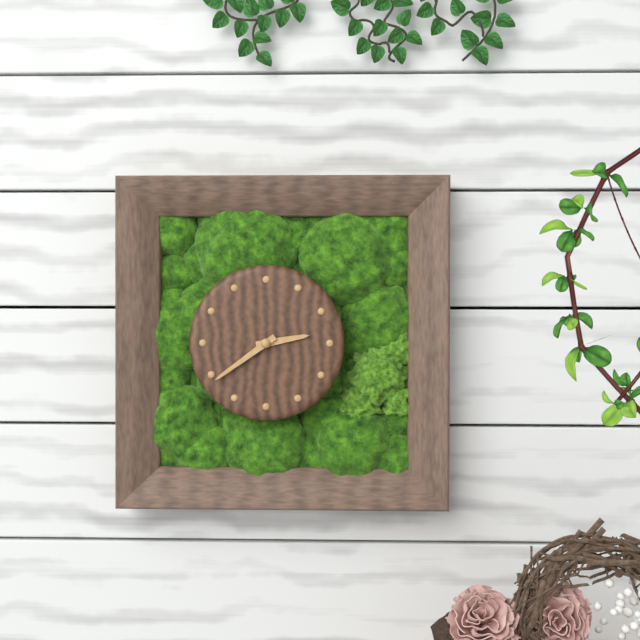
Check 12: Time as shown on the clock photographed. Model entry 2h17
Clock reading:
2h39
